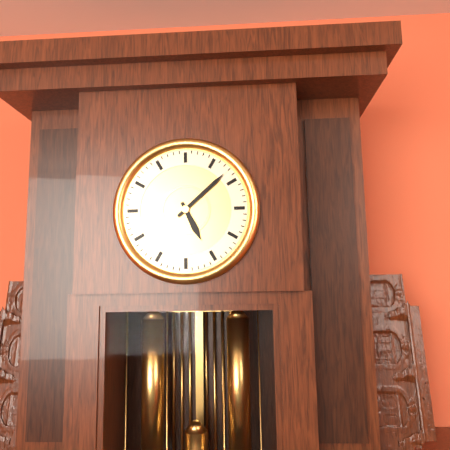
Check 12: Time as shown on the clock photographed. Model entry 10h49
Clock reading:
5h08
